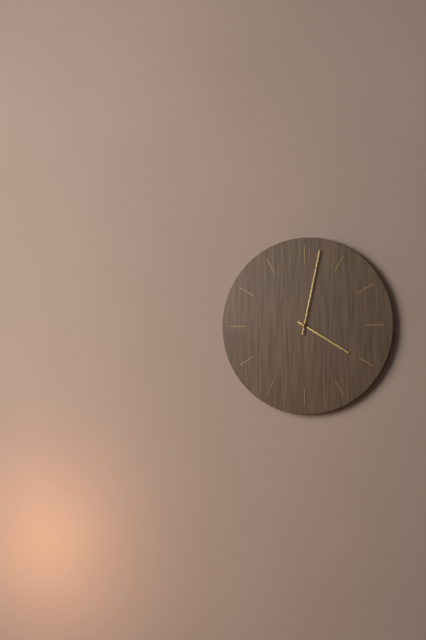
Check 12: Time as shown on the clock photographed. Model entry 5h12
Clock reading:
4h02
